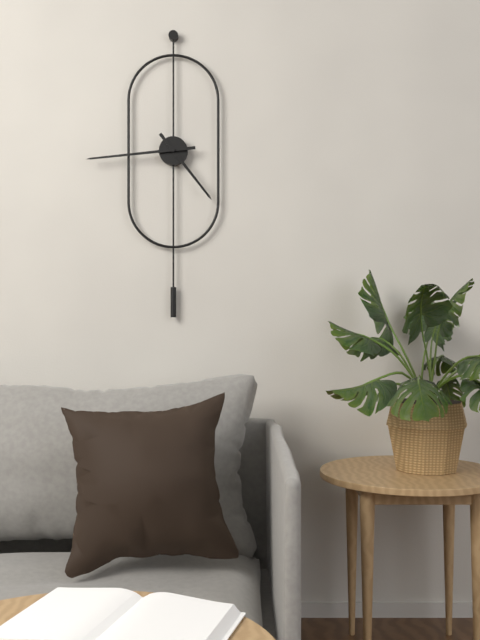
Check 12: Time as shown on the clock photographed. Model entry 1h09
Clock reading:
4h44
